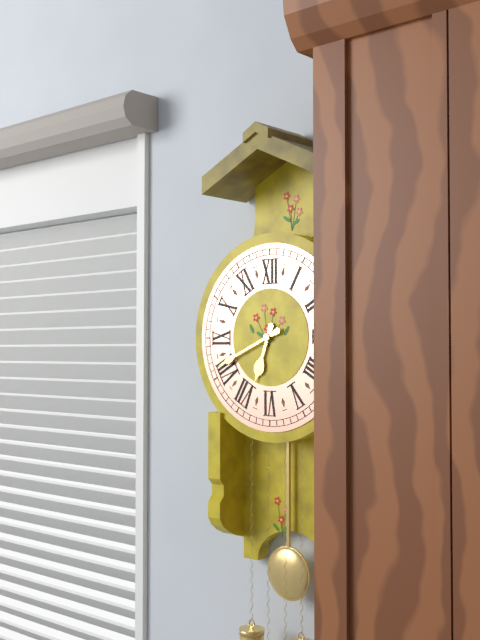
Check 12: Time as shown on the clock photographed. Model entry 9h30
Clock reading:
6h41
